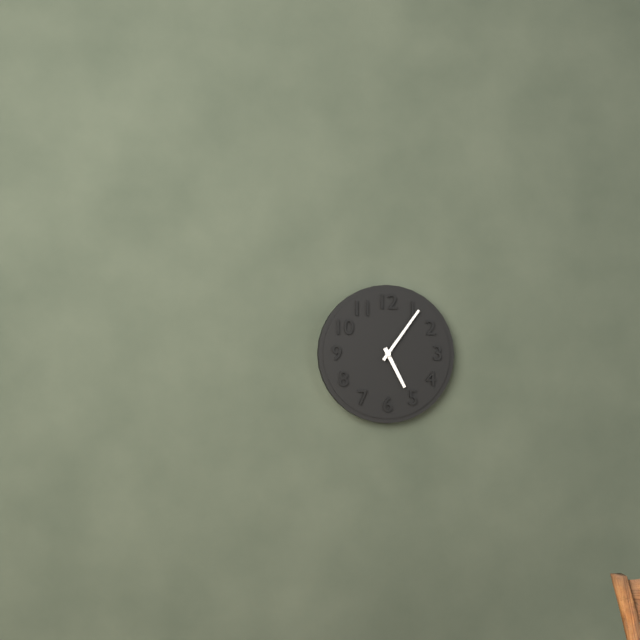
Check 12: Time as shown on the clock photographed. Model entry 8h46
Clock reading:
5h06
